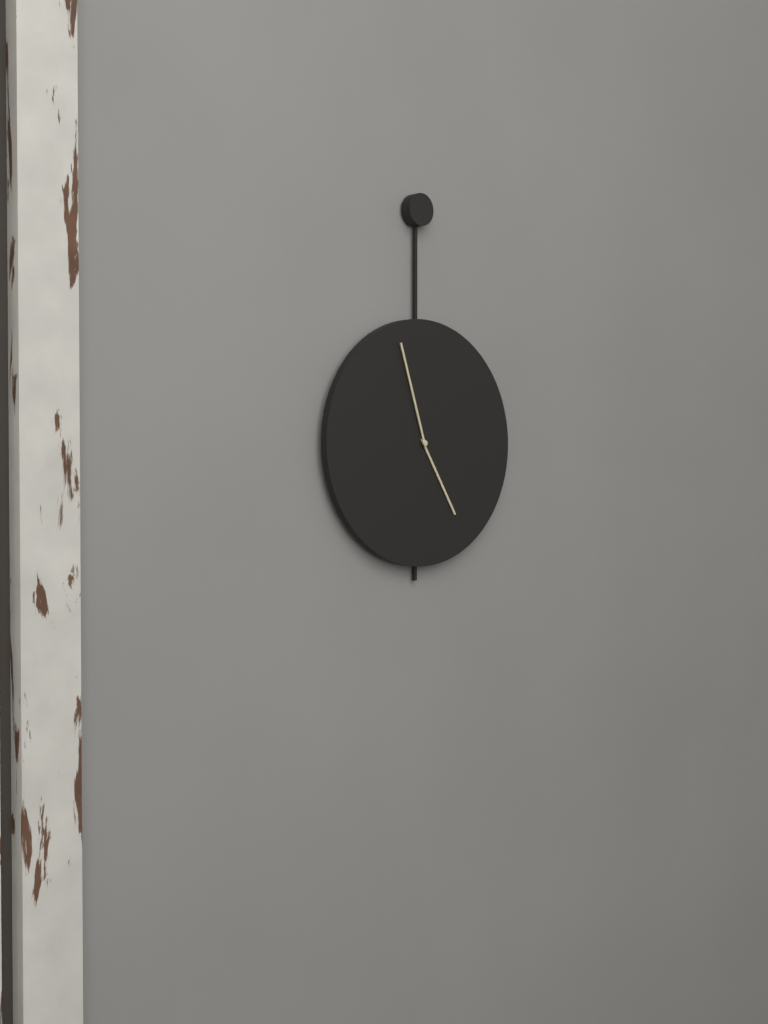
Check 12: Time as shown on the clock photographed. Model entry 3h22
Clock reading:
4h57
